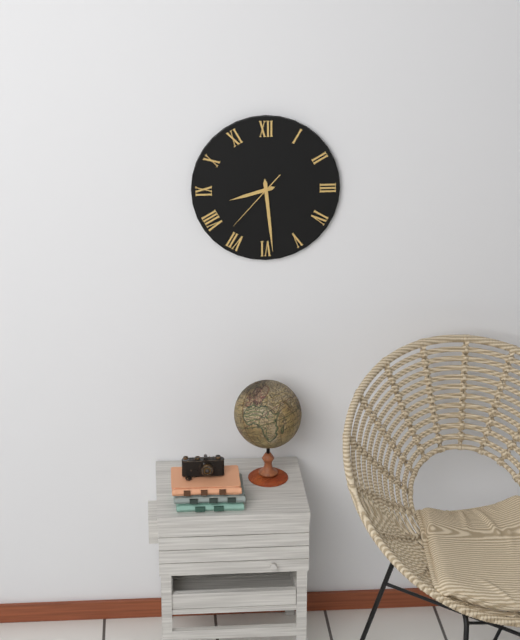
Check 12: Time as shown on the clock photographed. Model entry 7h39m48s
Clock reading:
8h29m37s
